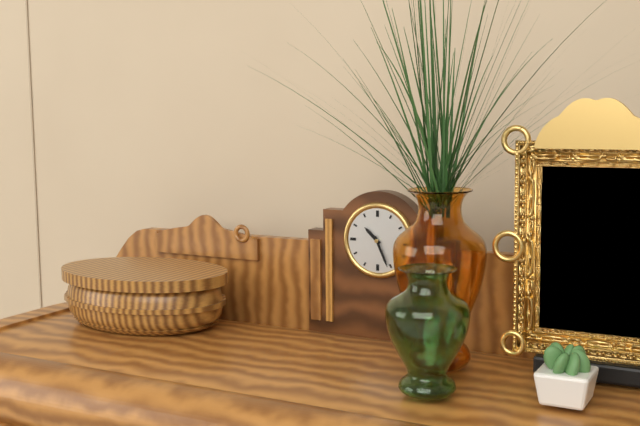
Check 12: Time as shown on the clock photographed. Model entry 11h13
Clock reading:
10h26
